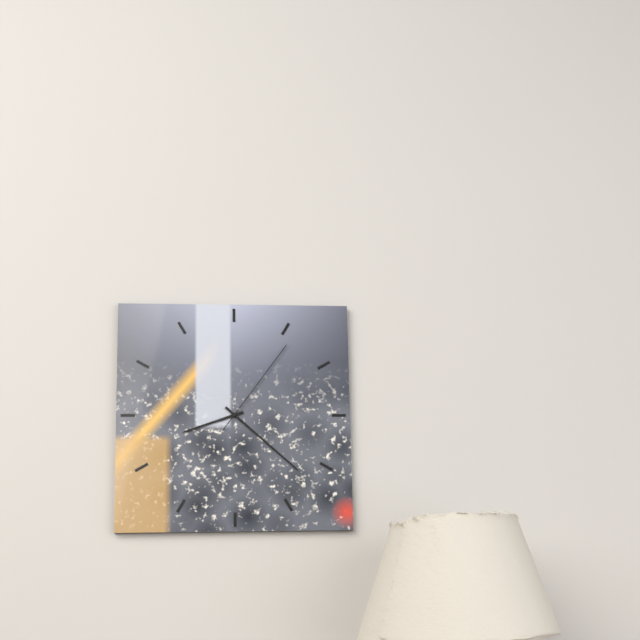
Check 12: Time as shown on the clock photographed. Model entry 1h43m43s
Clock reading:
8h22m06s
